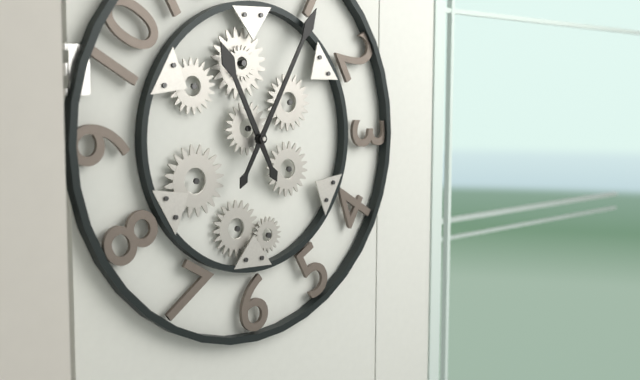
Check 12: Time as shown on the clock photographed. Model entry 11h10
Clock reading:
11h05
